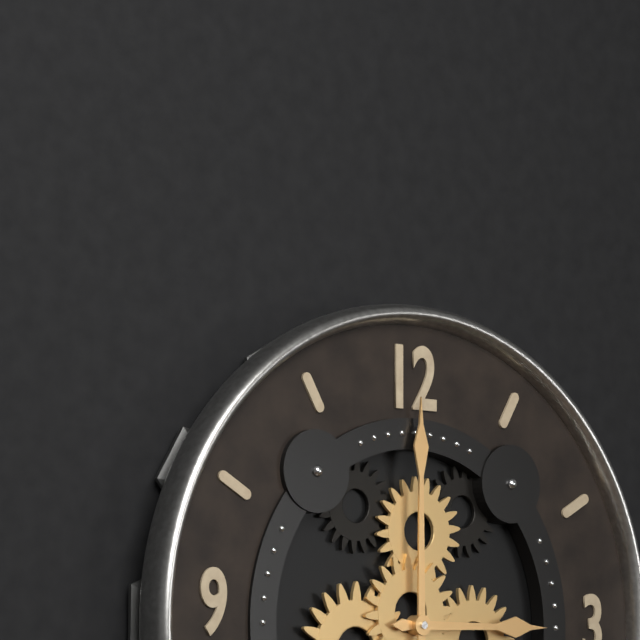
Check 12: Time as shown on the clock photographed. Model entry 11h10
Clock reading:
3h00
